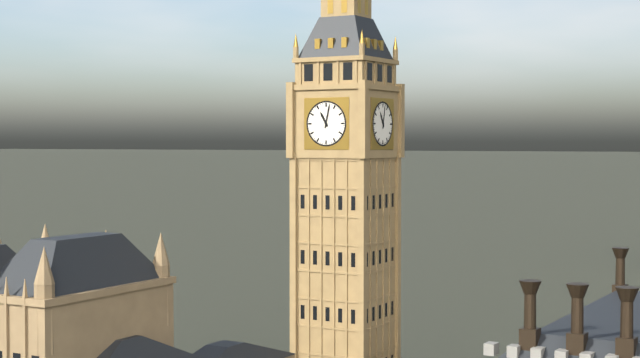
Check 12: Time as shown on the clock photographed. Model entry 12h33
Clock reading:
11h02
